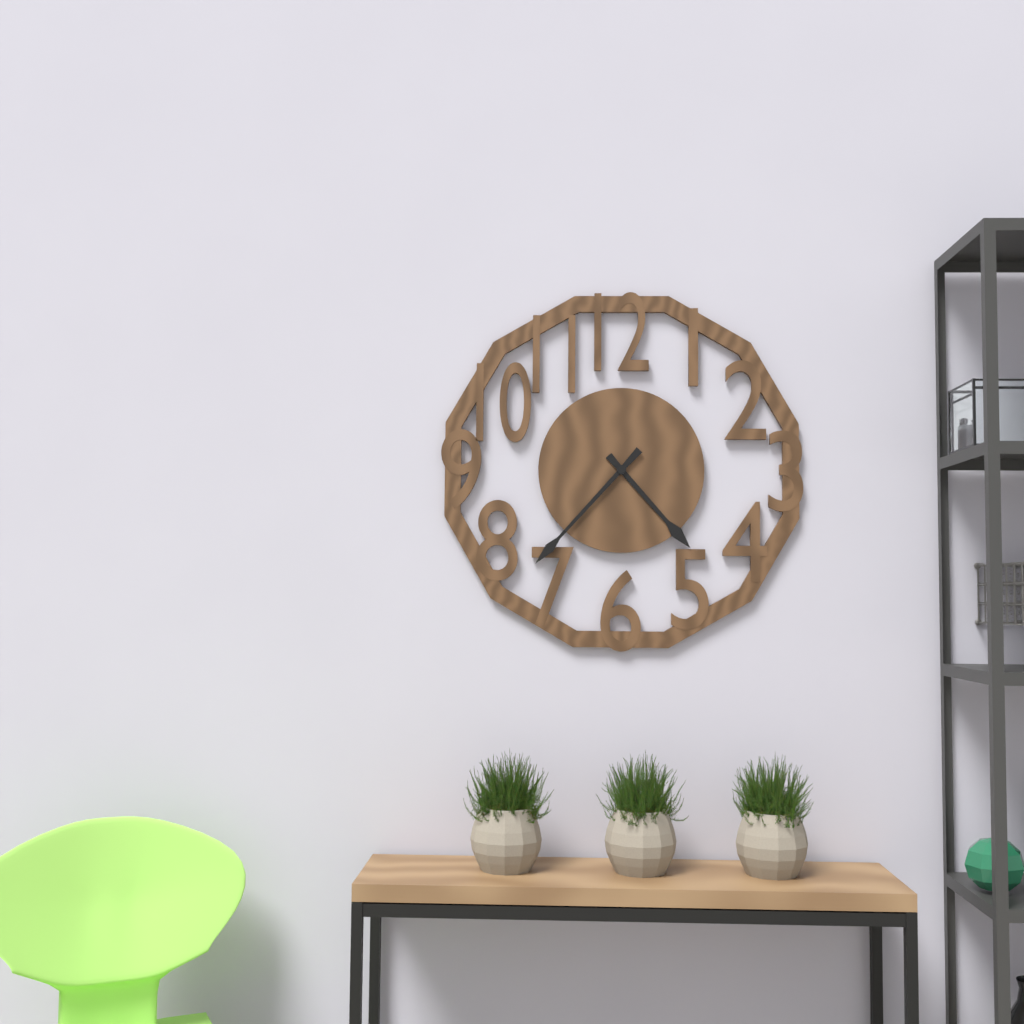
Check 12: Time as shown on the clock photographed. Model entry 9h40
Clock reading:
4h37
